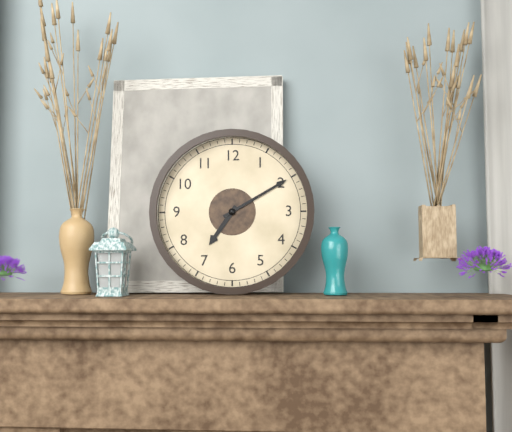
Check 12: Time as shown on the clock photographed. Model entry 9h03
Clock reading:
7h10
